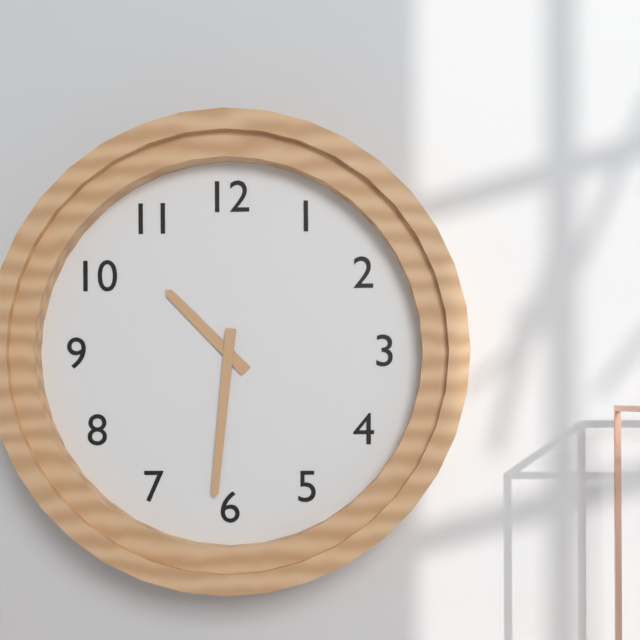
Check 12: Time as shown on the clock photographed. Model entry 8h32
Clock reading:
10h31
